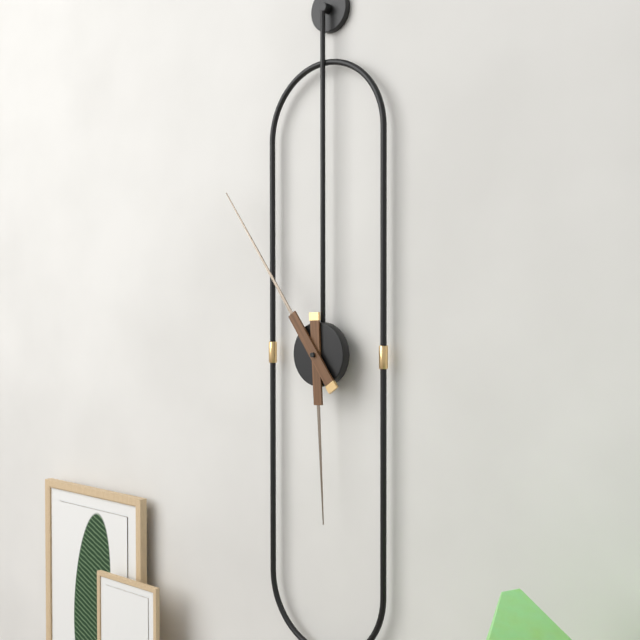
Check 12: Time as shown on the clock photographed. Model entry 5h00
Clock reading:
5h54
